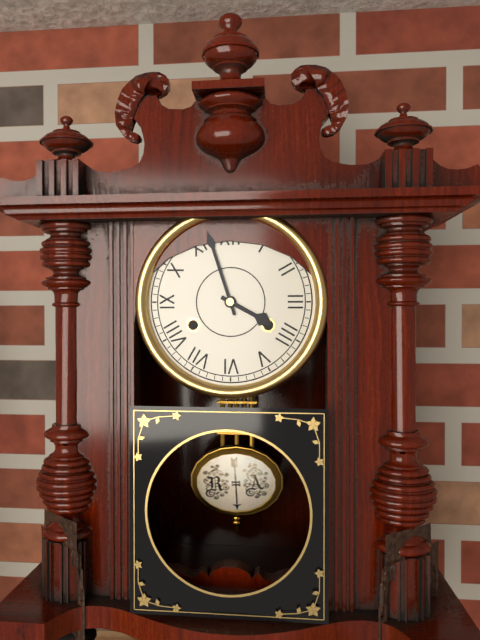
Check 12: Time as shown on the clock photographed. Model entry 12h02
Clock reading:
3h57
